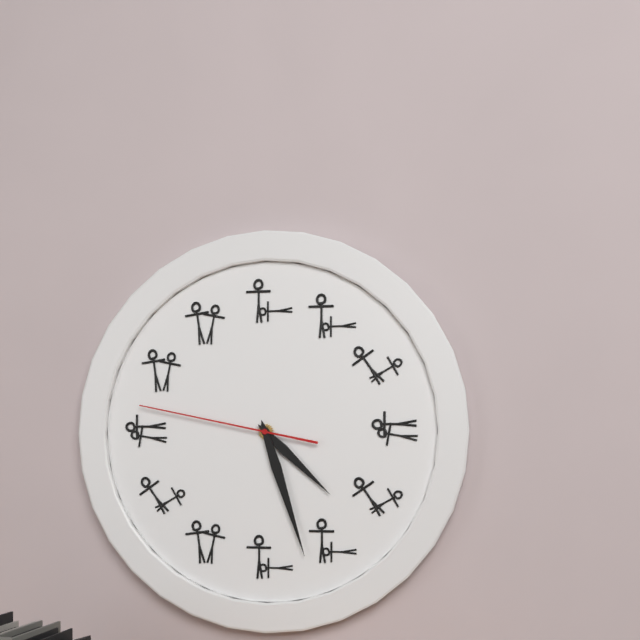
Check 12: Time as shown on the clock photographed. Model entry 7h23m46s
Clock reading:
4h27m47s
